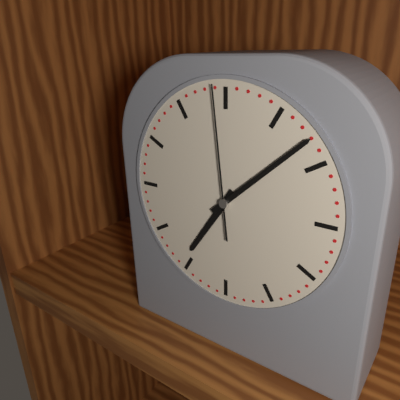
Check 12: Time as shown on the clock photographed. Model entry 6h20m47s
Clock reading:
7h08m59s
